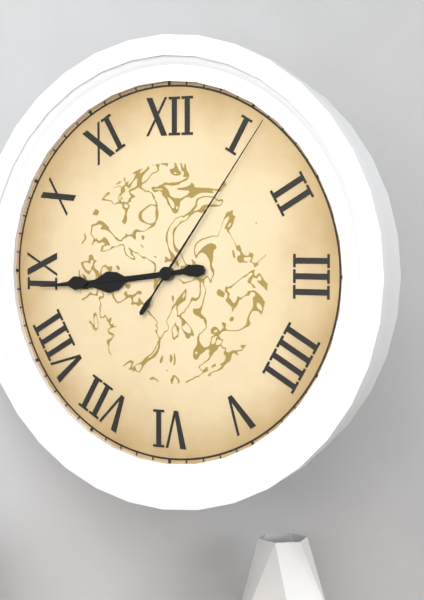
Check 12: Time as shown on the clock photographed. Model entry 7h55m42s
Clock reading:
8h44m06s
